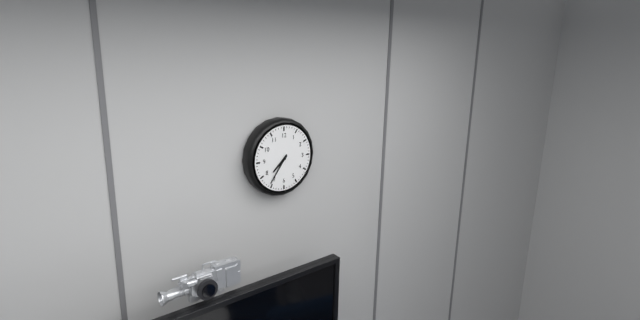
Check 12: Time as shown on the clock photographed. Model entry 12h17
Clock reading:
7h36
